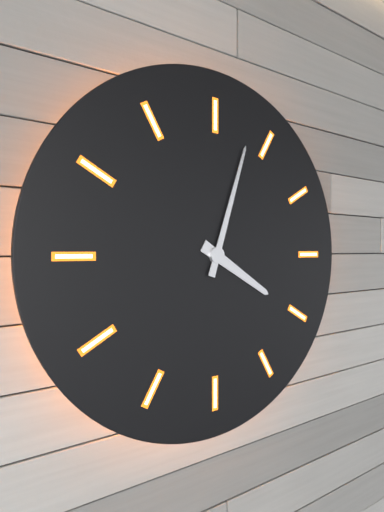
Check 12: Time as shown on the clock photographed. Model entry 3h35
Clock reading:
4h03
